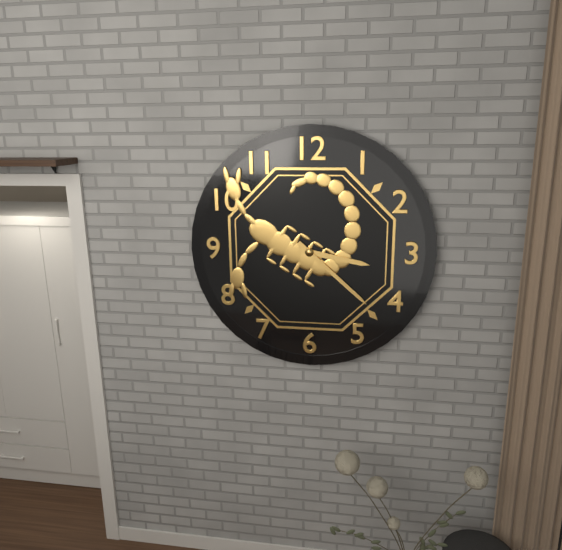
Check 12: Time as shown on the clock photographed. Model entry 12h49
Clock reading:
3h22
